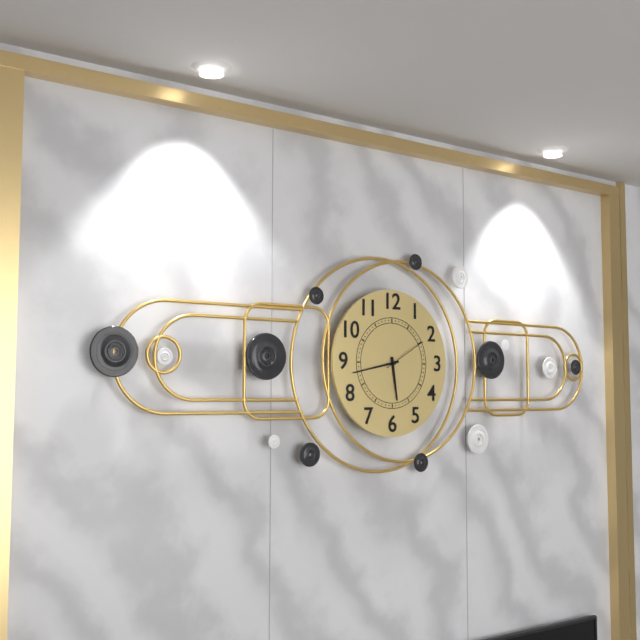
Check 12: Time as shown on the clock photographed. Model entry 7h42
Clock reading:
5h43
